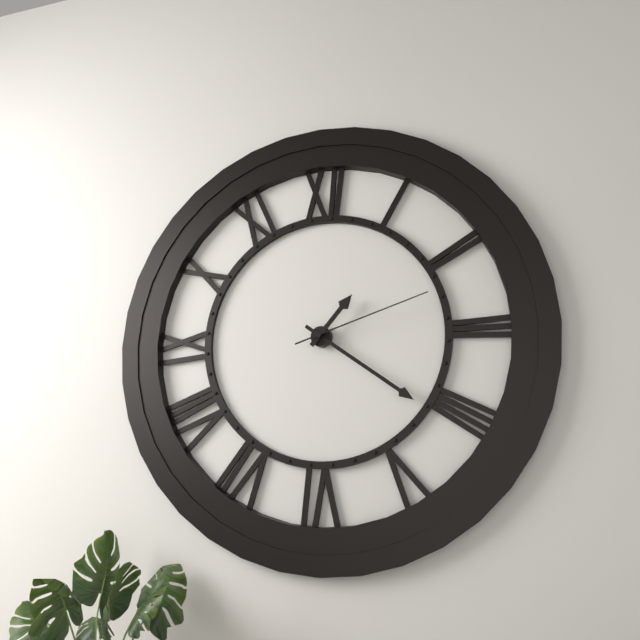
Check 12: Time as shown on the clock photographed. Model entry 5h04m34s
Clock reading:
1h21m12s
